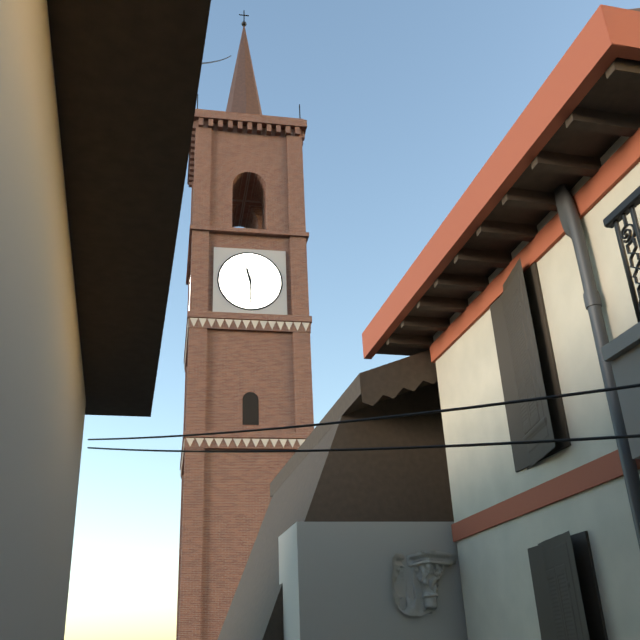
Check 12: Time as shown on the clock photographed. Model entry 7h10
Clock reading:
11h30
